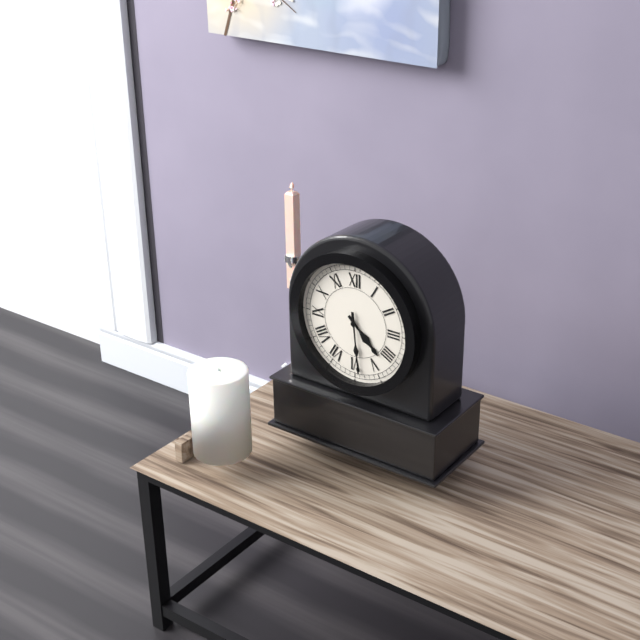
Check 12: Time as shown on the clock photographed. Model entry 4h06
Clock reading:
4h29
